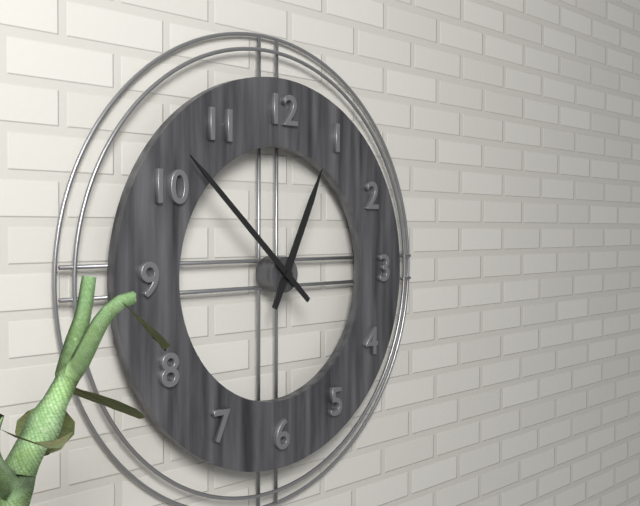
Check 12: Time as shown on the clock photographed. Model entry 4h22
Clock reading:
12h52
